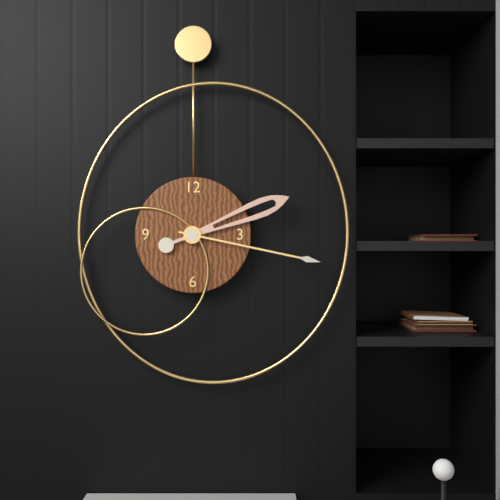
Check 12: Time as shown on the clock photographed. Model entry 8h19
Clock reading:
2h17
